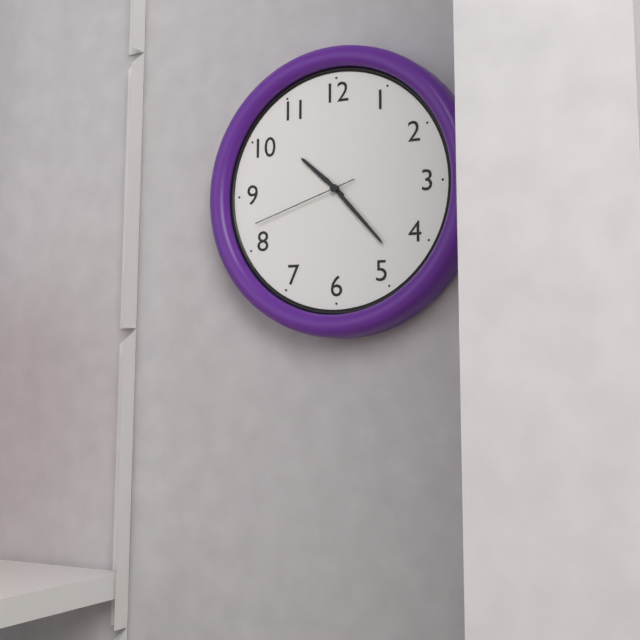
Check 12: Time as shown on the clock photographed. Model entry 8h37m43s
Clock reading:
10h23m42s
